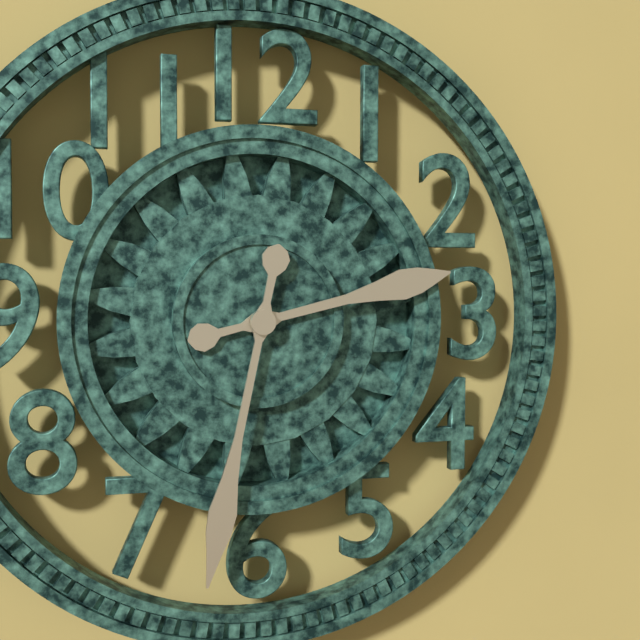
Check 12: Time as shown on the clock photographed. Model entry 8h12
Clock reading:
2h32
